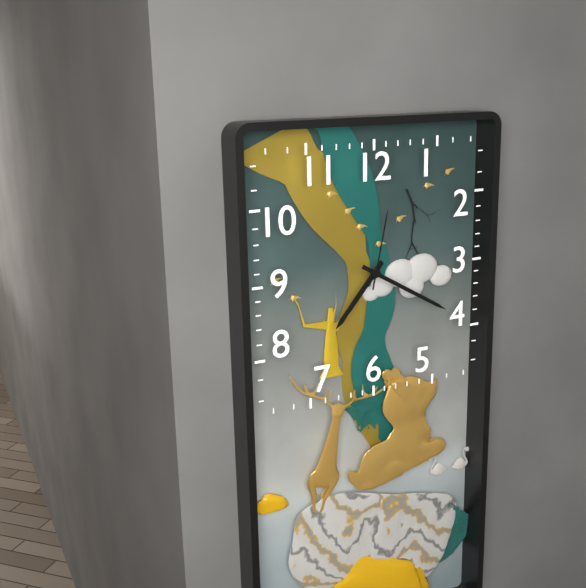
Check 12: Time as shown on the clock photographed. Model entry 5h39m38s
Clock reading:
7h20m02s
